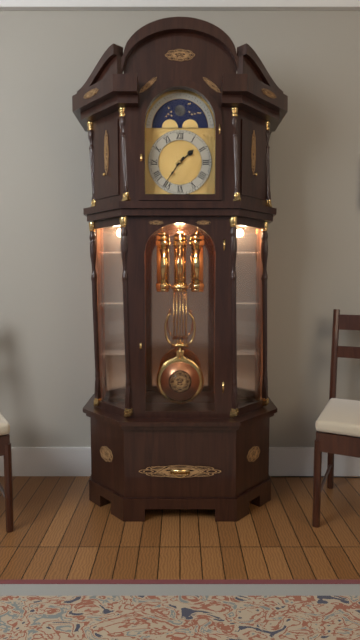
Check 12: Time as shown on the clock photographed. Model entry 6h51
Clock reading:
1h36
